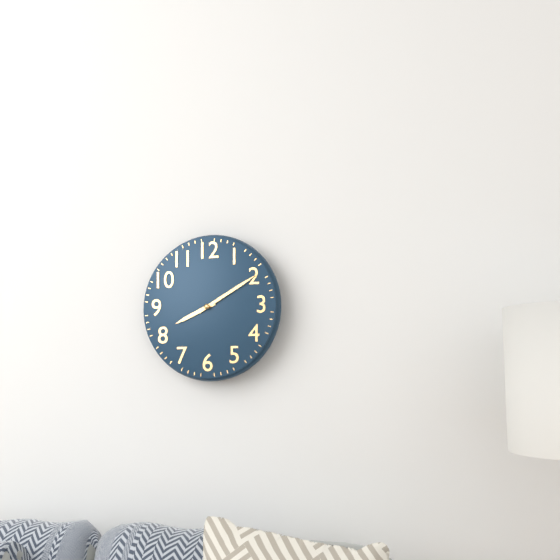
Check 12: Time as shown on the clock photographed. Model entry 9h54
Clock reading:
8h10
